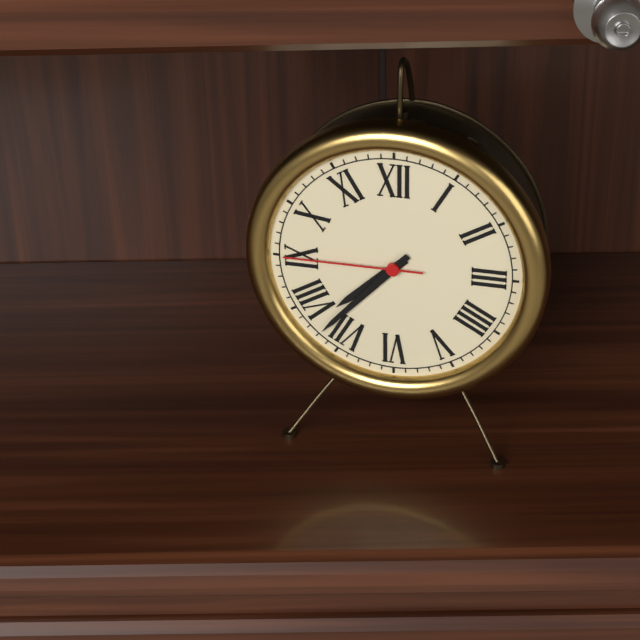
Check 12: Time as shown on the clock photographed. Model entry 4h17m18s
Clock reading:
7h37m45s
